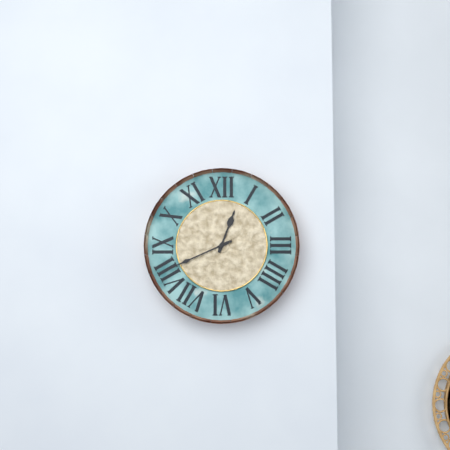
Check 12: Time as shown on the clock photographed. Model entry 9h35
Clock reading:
12h41
